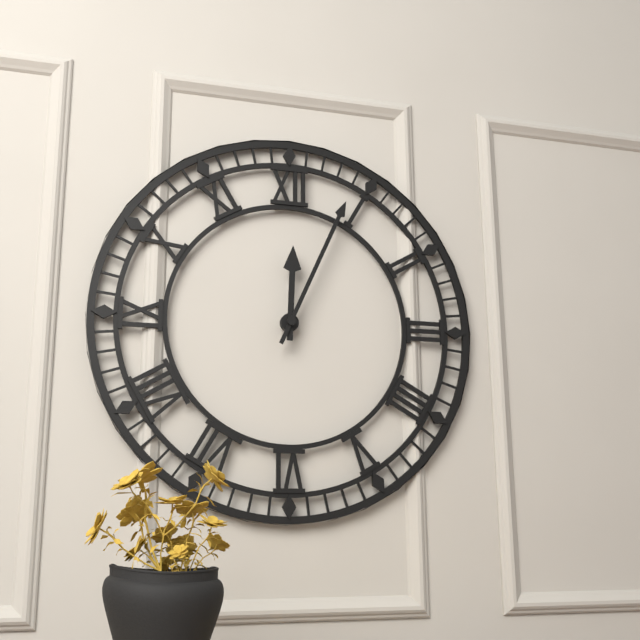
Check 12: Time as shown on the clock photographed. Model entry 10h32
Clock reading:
12h04
